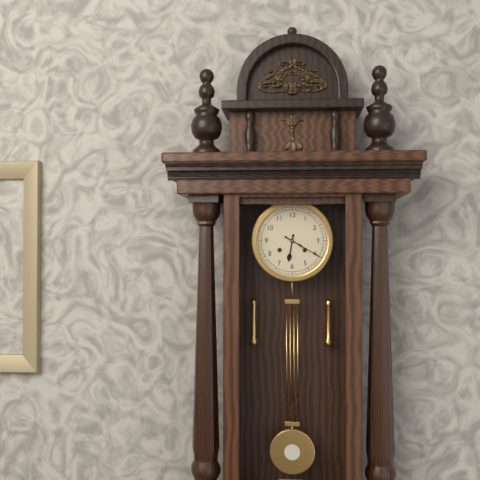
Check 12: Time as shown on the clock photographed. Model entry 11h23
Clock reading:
6h20
